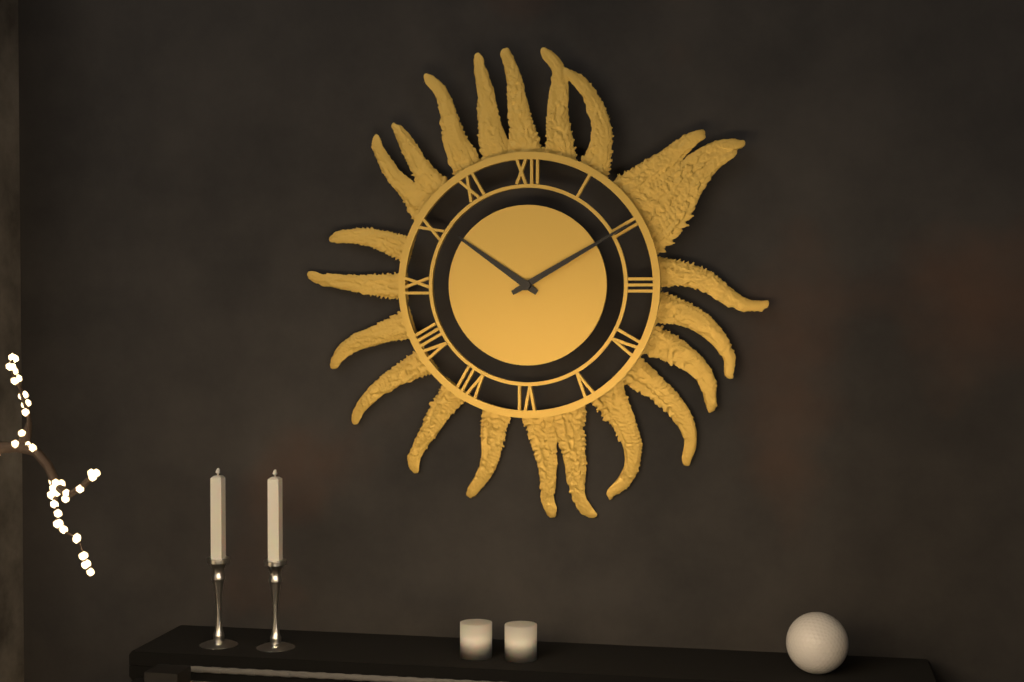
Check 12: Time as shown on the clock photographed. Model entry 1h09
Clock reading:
10h10
